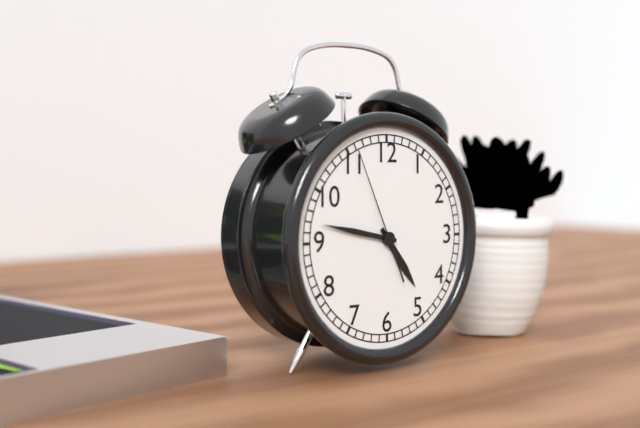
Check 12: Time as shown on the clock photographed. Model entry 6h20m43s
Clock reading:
4h47m56s
